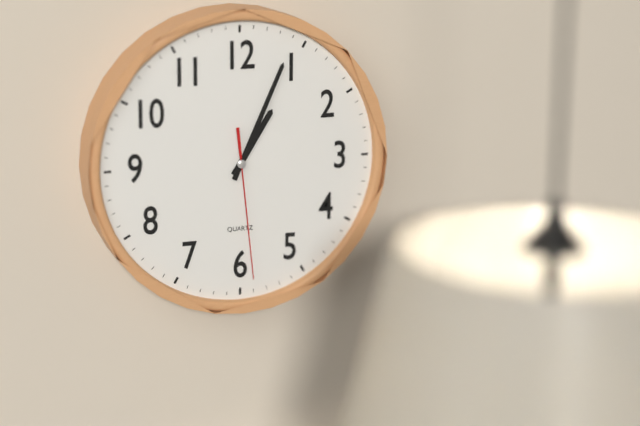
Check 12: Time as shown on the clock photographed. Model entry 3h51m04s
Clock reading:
1h04m29s
